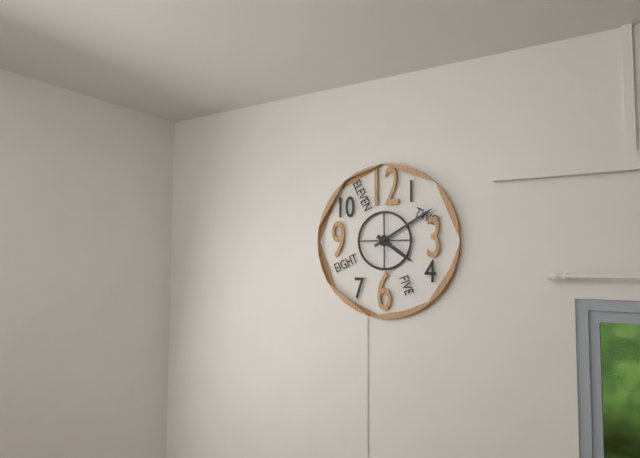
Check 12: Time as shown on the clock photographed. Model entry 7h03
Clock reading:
4h10
